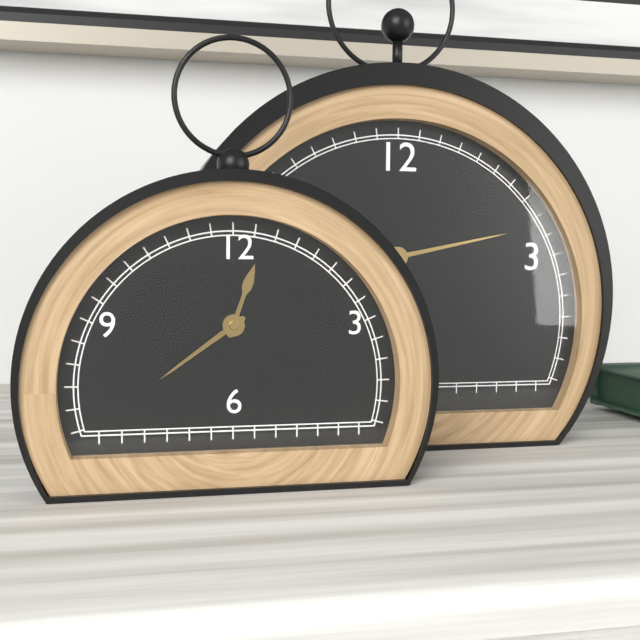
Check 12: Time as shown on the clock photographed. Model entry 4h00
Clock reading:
12h39
